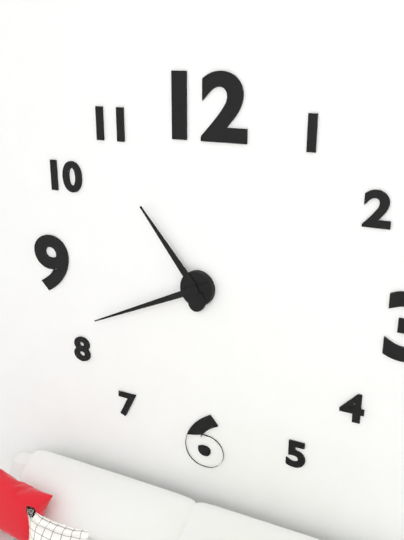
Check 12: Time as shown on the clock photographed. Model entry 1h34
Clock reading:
10h41
